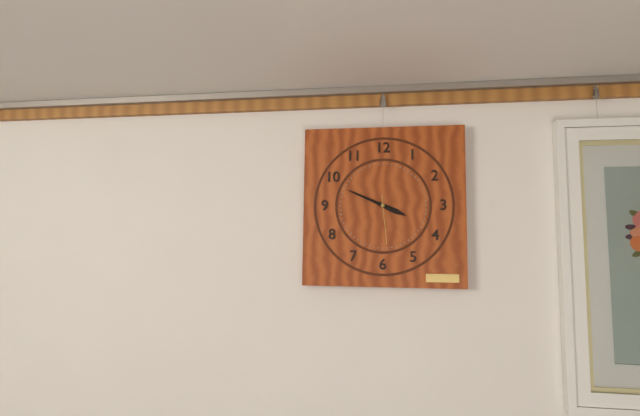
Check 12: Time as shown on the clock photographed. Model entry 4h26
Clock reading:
3h49
